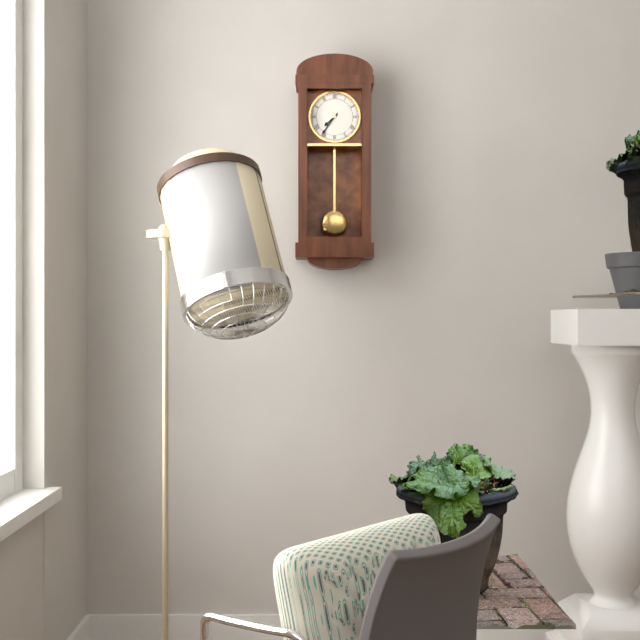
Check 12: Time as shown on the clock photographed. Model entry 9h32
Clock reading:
7h36
